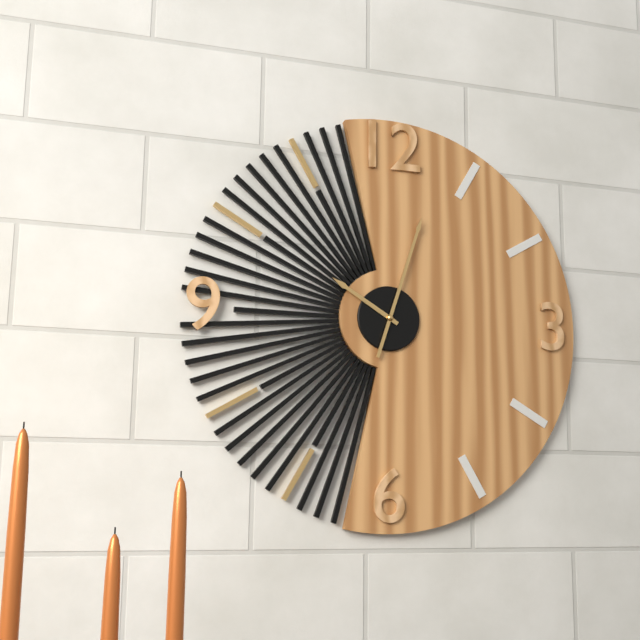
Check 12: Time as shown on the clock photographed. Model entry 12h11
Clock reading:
10h03
